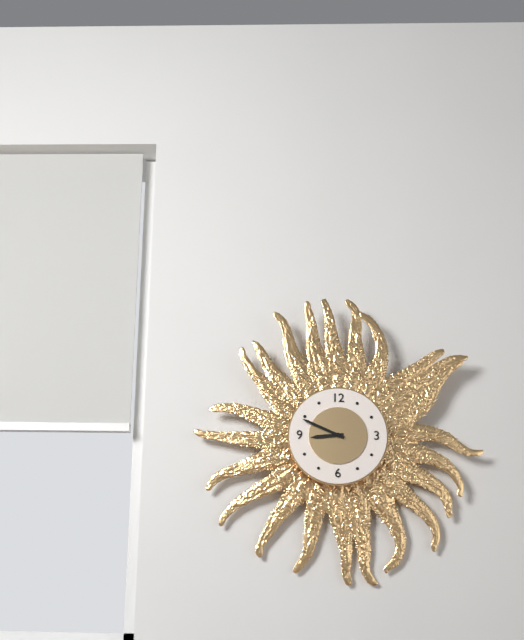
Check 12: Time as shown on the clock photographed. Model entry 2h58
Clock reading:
8h49
